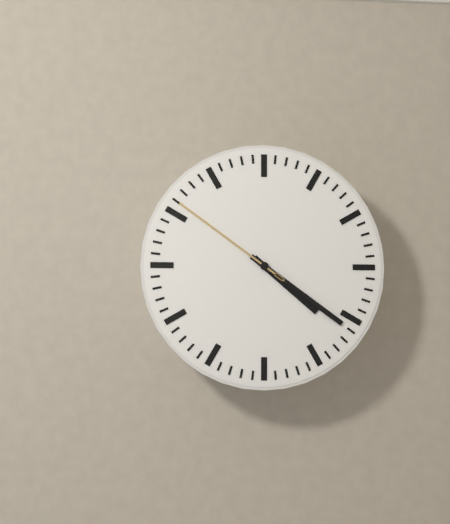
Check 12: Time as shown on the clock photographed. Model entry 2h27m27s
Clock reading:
4h21m51s
